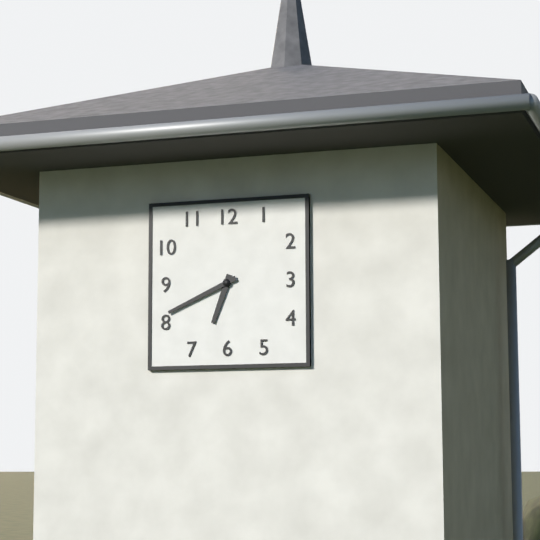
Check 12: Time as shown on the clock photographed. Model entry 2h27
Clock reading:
6h41
